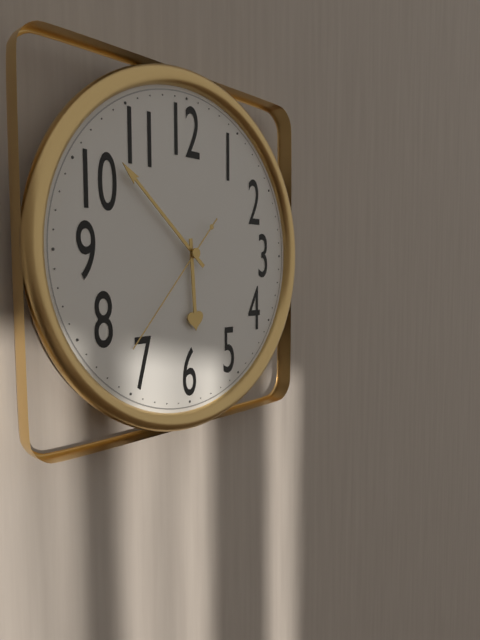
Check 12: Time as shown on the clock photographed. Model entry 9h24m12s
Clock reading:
5h52m37s
